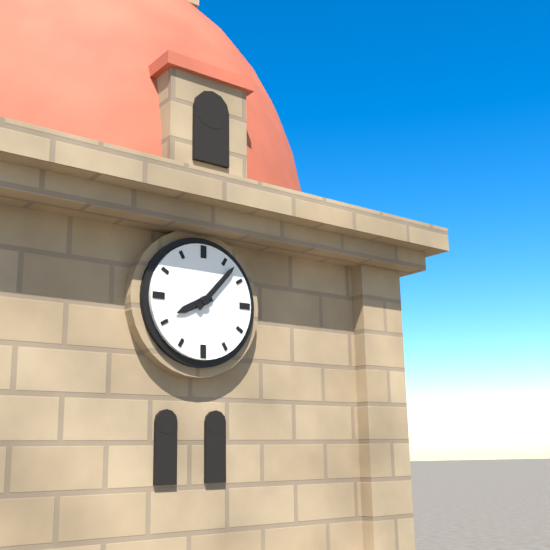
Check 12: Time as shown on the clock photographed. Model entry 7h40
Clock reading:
8h07
